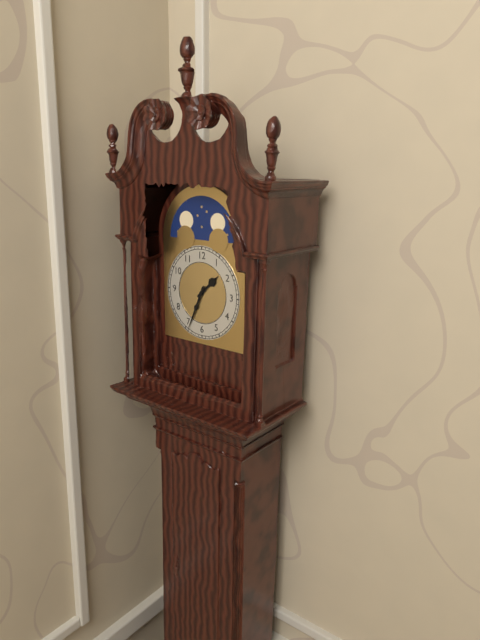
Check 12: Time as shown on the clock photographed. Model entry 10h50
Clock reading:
1h34
